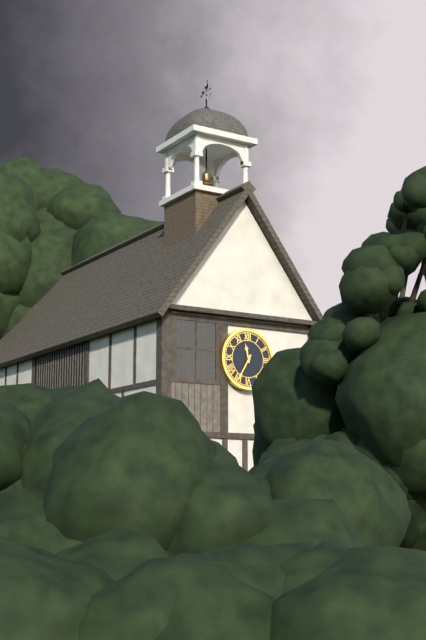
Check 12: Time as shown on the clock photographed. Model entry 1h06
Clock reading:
11h35
